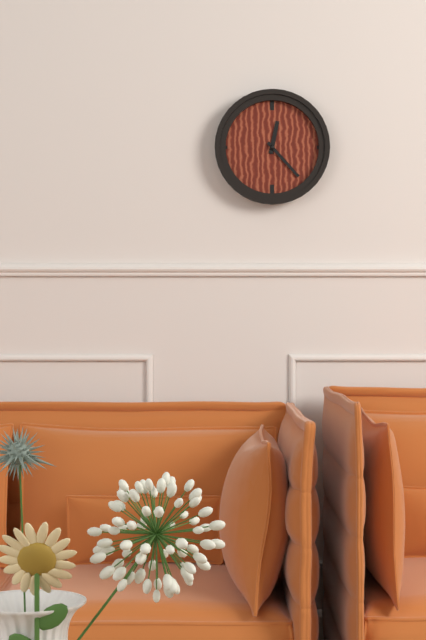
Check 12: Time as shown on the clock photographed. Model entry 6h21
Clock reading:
12h23
